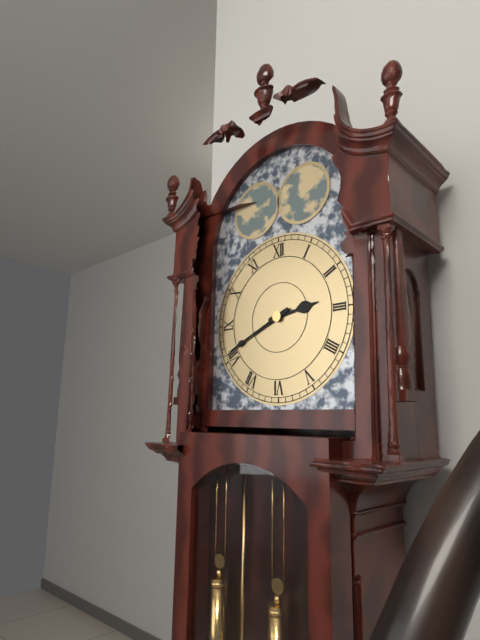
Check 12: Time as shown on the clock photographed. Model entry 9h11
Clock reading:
2h41
